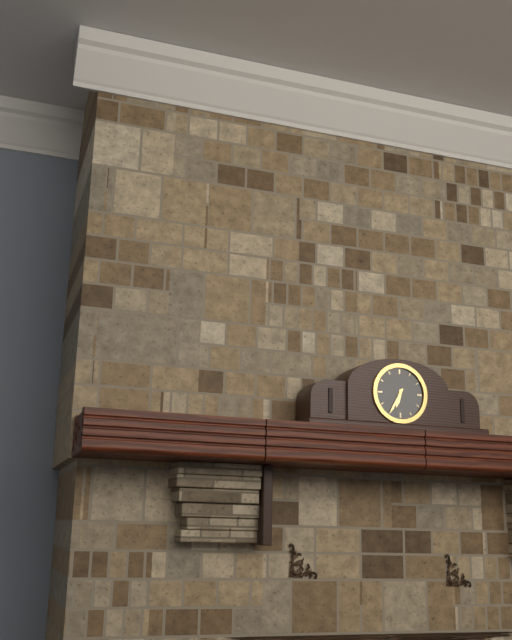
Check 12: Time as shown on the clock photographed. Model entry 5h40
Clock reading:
6h35
